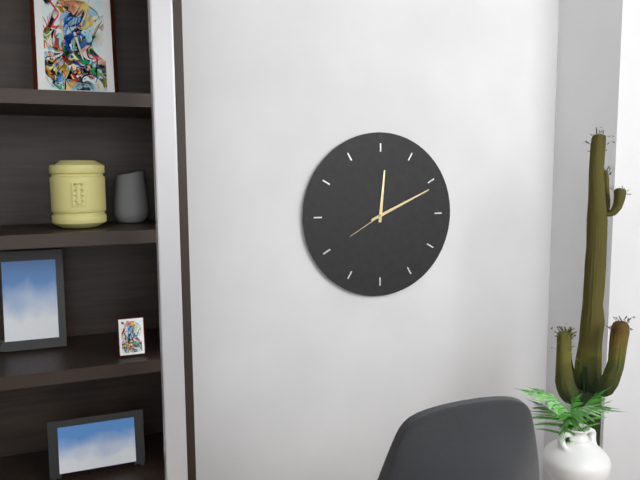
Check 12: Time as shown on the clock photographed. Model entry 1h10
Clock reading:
12h11
